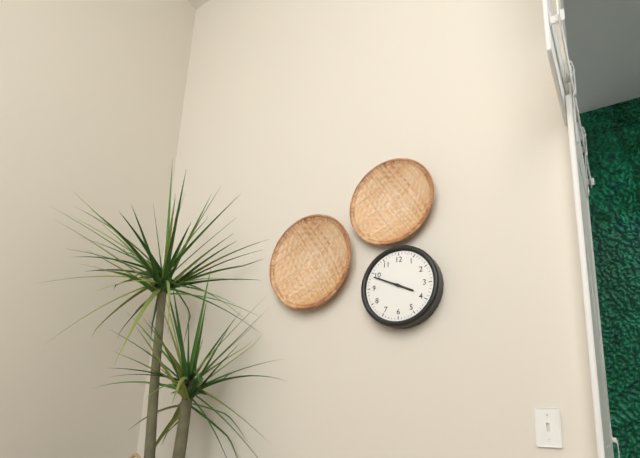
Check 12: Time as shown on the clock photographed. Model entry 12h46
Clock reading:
3h49
